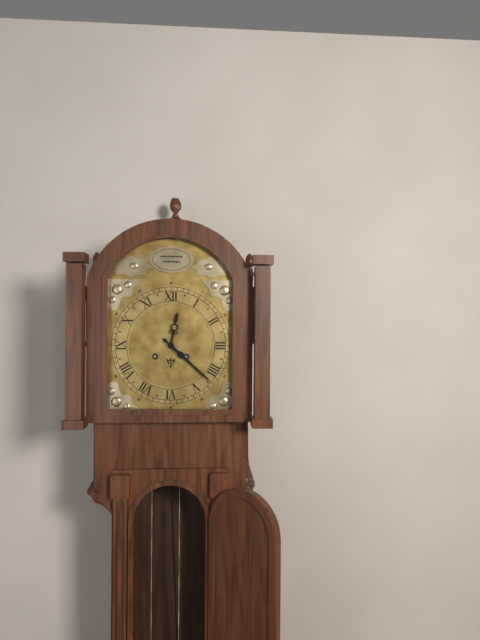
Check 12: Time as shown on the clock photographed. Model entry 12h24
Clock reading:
12h22
